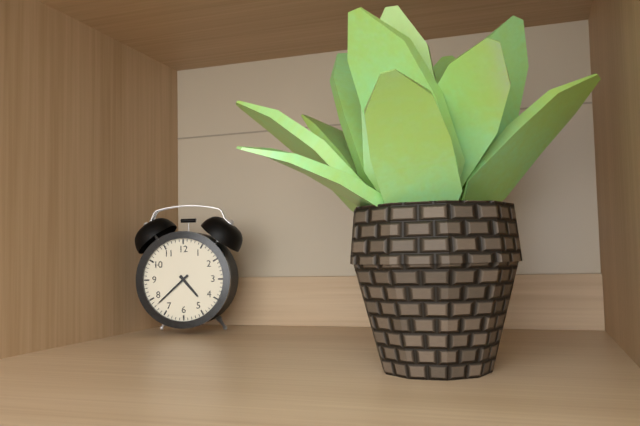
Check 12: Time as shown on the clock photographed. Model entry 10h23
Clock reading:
4h38
